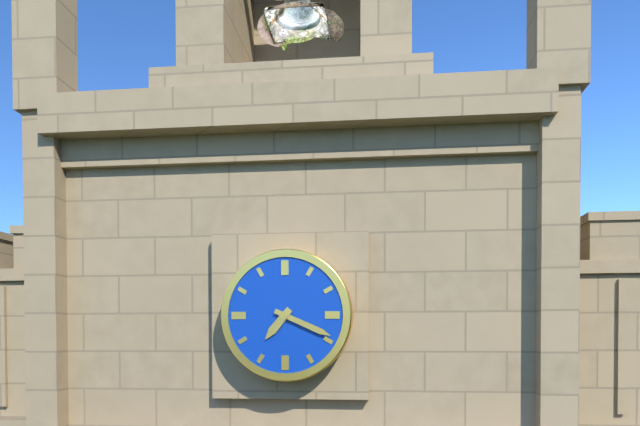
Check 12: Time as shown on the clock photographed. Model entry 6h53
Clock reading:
7h19
